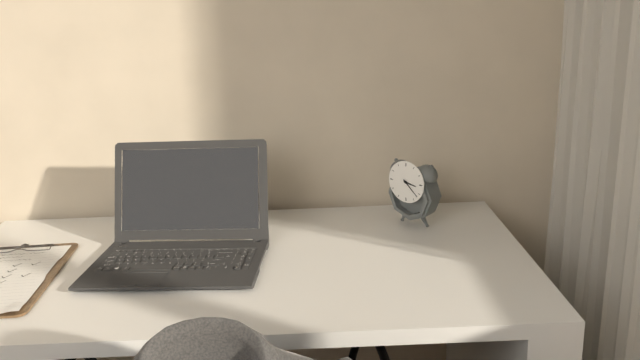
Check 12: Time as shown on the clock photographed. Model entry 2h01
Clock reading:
3h22
